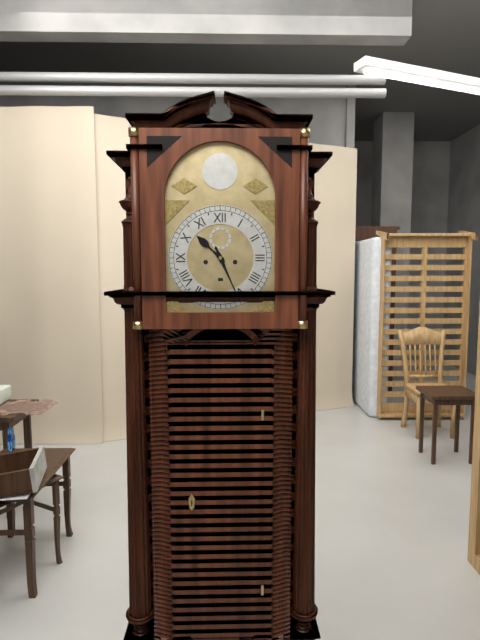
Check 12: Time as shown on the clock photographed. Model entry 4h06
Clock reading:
10h26
